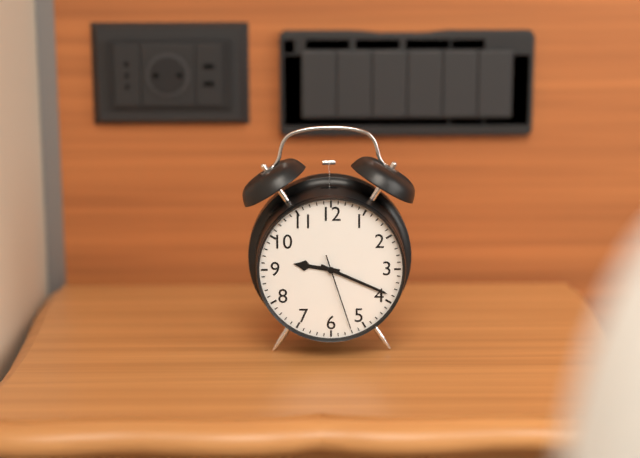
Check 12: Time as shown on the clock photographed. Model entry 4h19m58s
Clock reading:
9h19m27s
